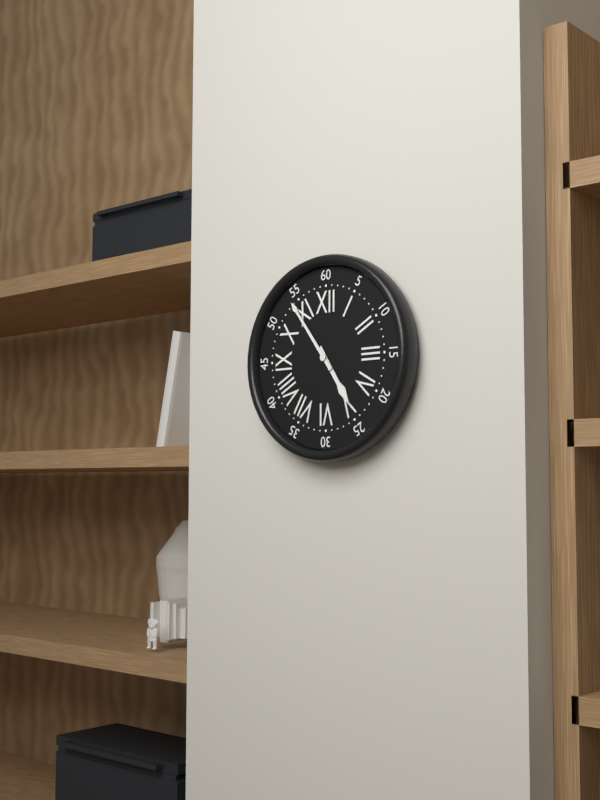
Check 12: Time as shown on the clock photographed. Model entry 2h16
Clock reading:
4h54
